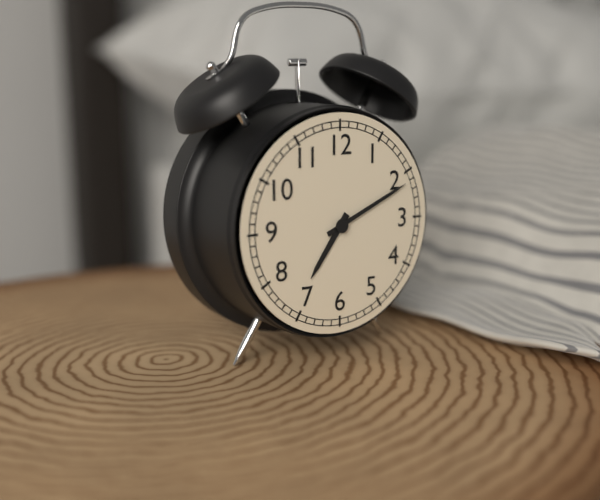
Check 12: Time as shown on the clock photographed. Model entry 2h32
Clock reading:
7h11
